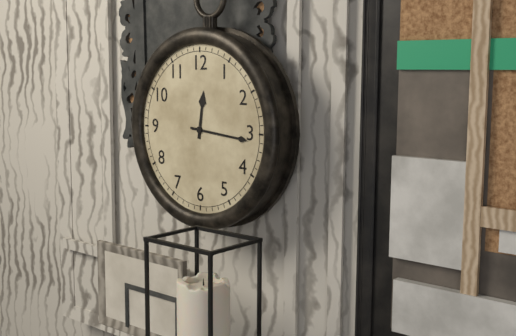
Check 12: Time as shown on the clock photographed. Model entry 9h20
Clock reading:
12h16
